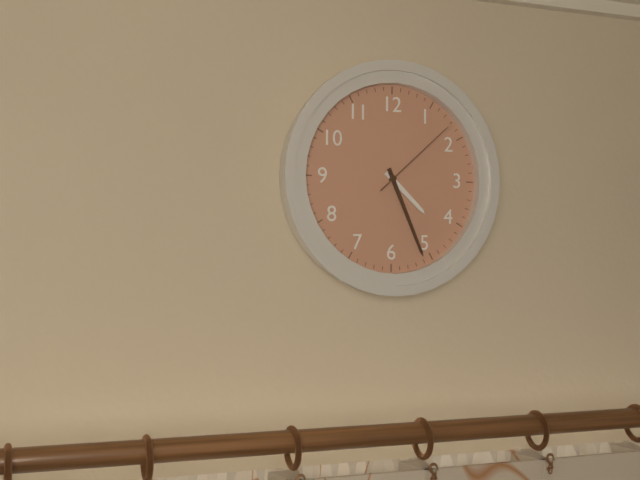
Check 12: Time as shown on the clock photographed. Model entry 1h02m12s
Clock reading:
4h26m08s
